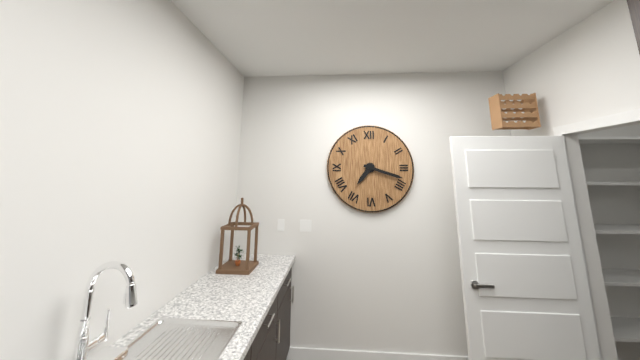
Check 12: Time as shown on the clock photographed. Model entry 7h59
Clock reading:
7h18
